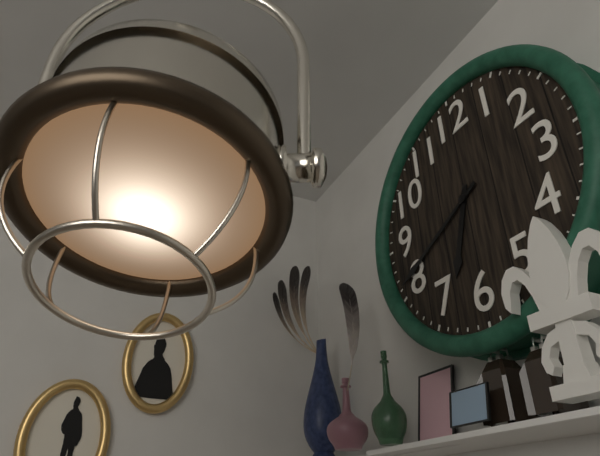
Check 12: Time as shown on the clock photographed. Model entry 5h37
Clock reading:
6h41
